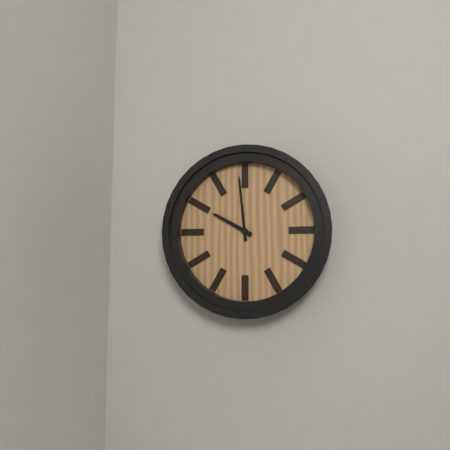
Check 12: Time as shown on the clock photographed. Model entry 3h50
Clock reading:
9h59
